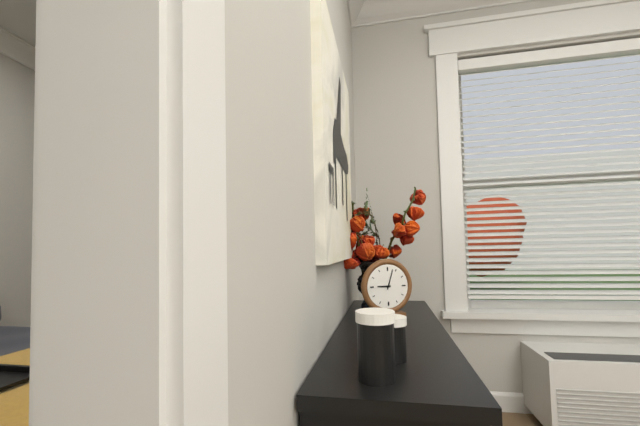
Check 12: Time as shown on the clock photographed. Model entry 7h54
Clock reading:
9h03
